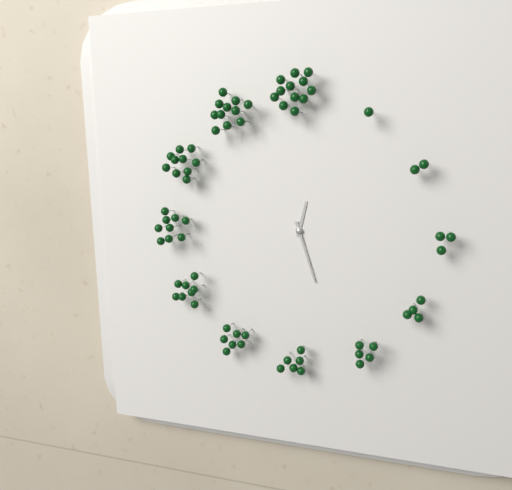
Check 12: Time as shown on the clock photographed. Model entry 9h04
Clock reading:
12h27
